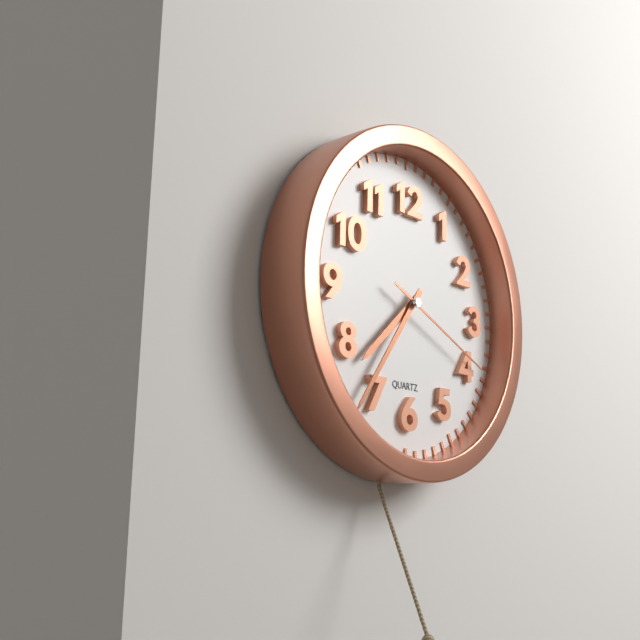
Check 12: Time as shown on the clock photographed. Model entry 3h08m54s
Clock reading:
7h36m19s
